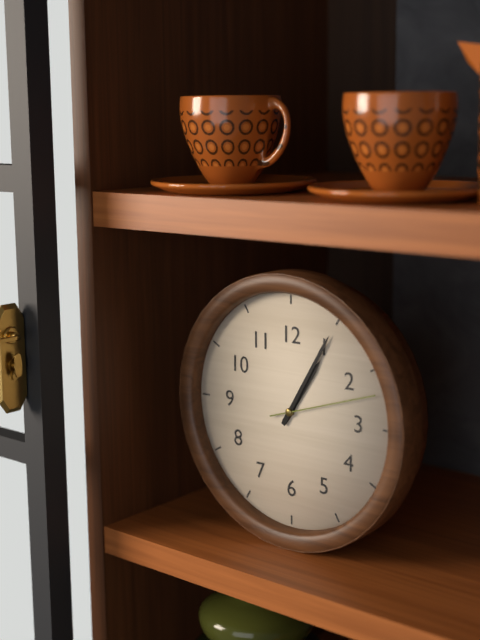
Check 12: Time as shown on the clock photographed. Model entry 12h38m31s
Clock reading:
1h05m12s
